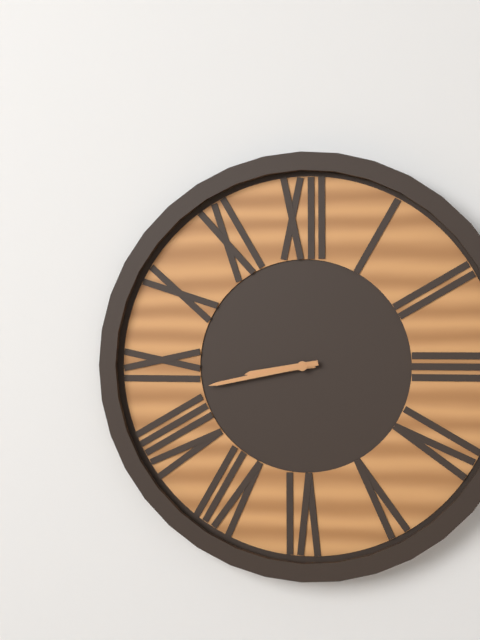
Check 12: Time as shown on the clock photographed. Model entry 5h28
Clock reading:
8h43
